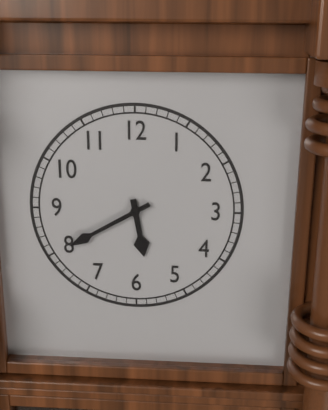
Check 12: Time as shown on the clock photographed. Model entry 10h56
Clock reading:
5h40
